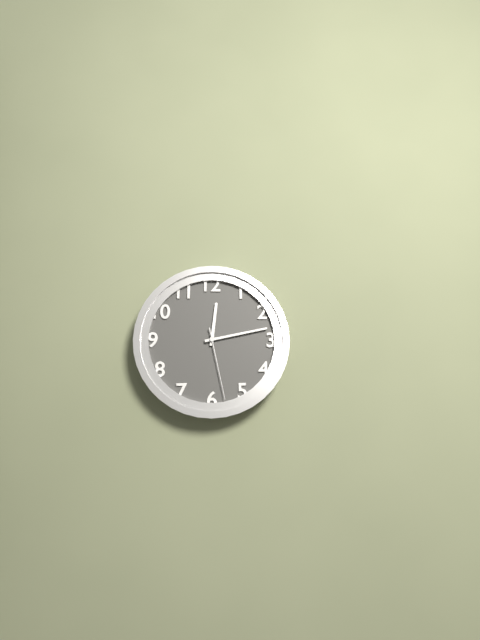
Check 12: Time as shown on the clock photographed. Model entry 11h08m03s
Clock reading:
12h13m28s
